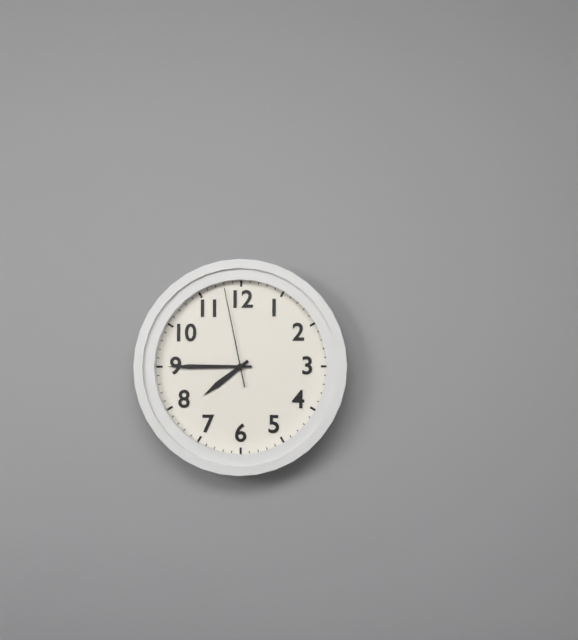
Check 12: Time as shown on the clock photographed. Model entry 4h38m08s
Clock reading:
7h45m58s
